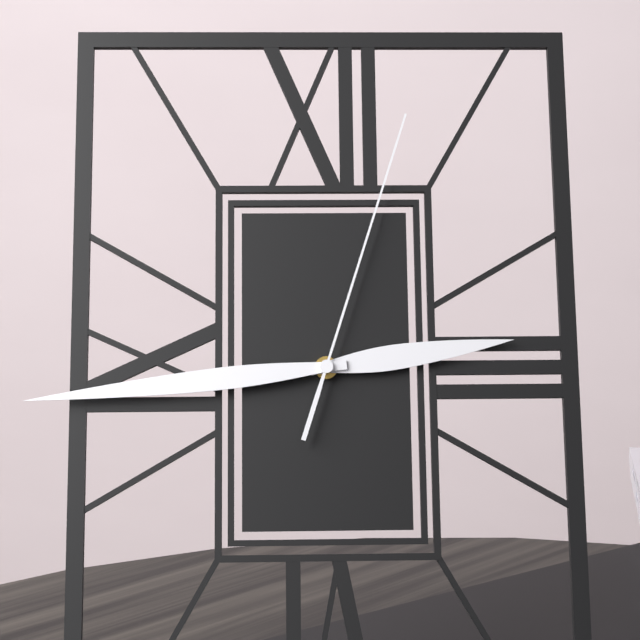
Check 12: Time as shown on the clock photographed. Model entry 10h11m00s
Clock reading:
2h44m03s
